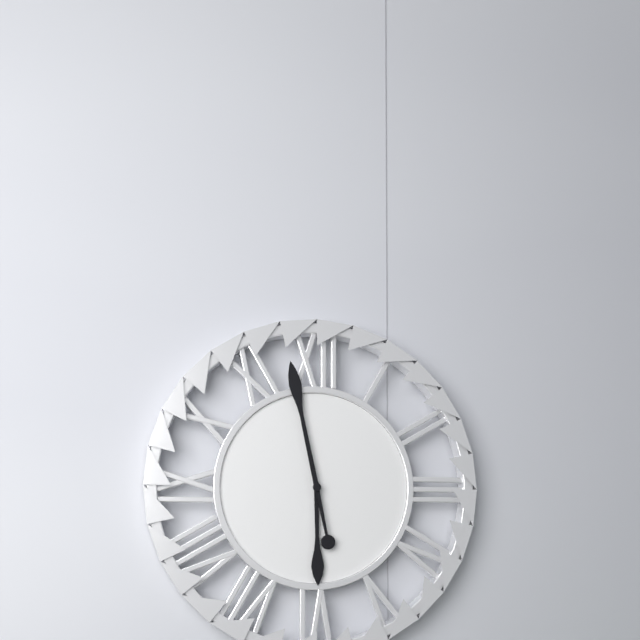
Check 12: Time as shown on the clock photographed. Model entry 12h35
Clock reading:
5h58
